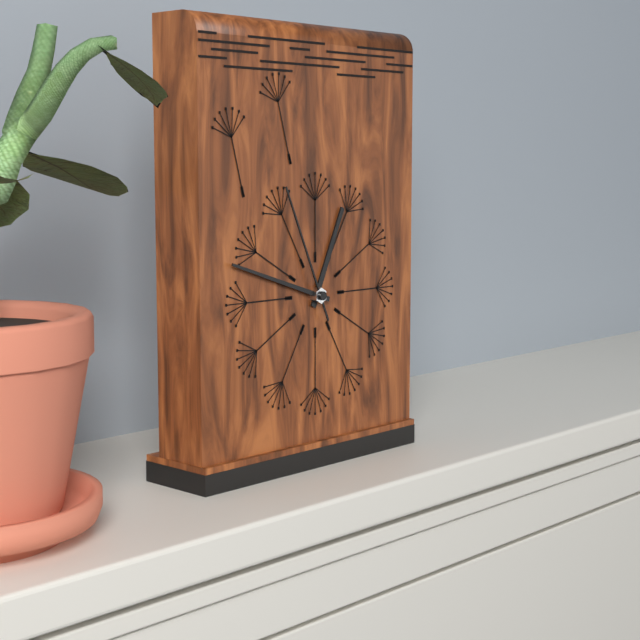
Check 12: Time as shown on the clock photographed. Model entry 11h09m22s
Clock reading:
12h48m56s
